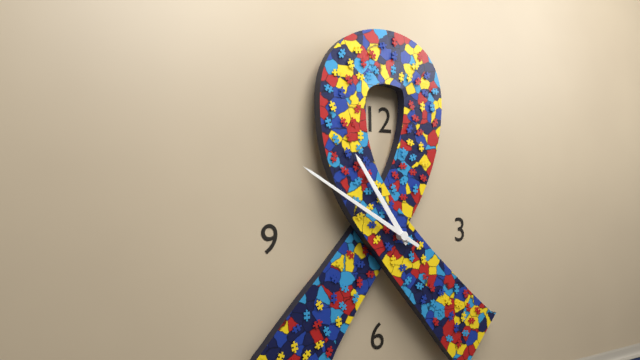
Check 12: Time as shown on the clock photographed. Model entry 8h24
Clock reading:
10h50
